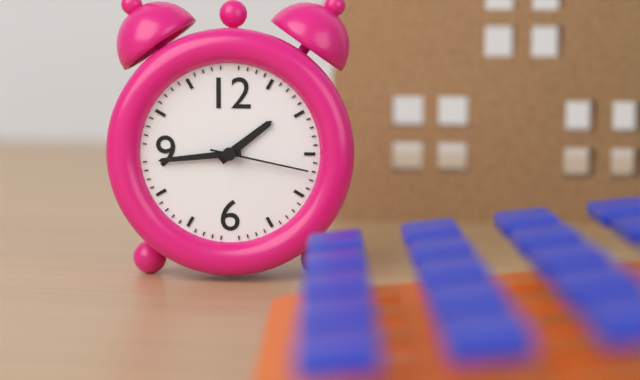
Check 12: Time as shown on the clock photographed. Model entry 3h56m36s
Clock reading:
1h44m17s
